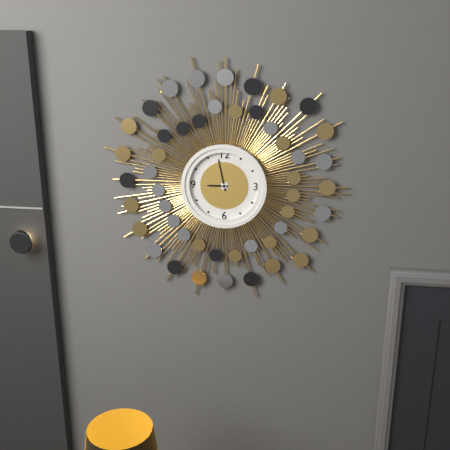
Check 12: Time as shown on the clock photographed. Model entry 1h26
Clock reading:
8h58
